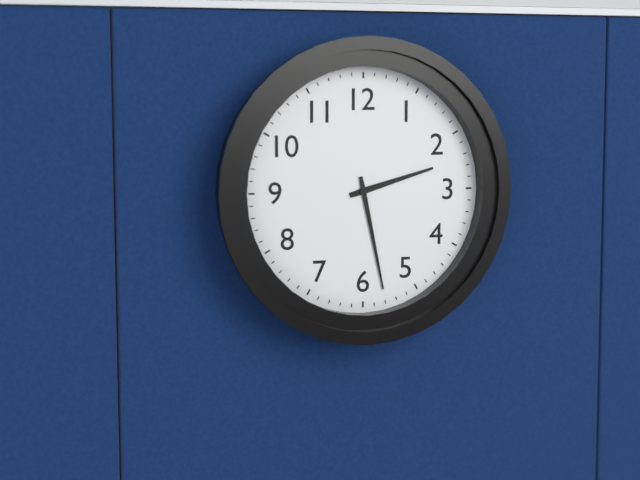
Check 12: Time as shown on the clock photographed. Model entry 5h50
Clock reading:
2h28
